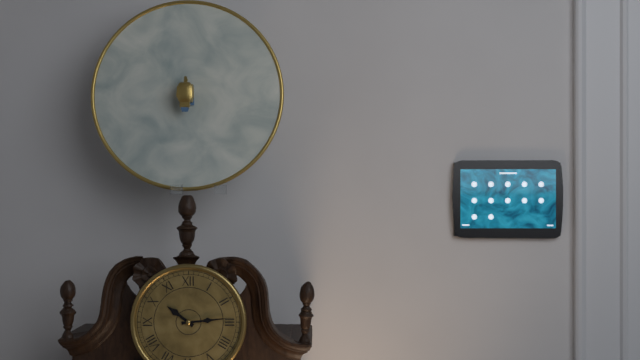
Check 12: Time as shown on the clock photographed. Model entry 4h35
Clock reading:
10h14
